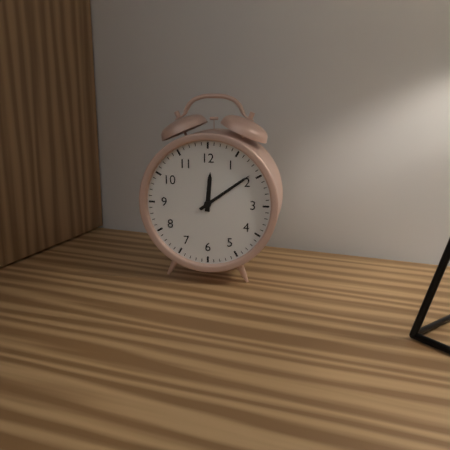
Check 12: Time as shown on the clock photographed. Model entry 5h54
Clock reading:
12h09
